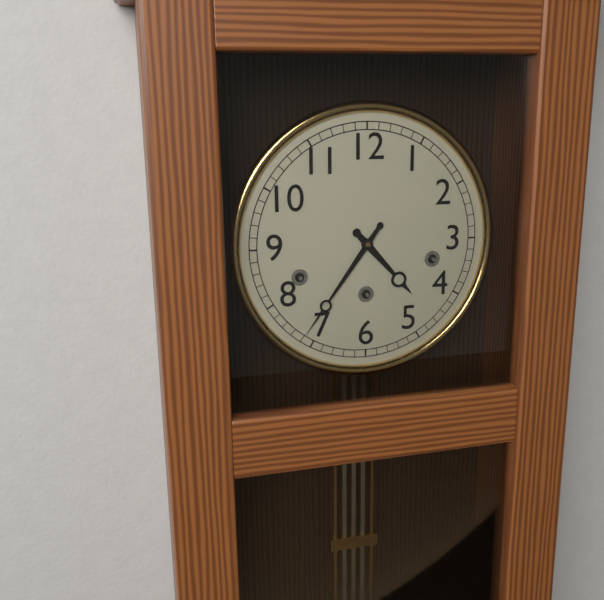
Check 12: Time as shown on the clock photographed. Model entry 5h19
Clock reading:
4h36
